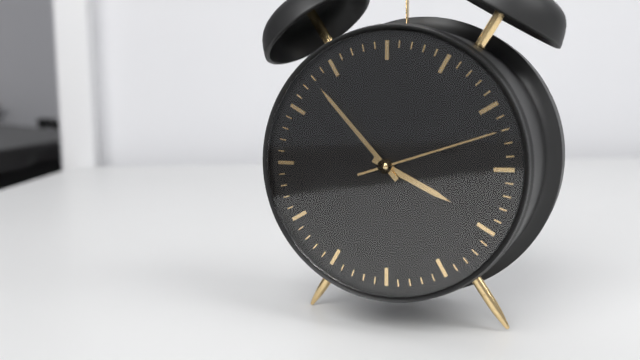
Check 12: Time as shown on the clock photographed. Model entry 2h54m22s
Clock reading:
3h53m12s
